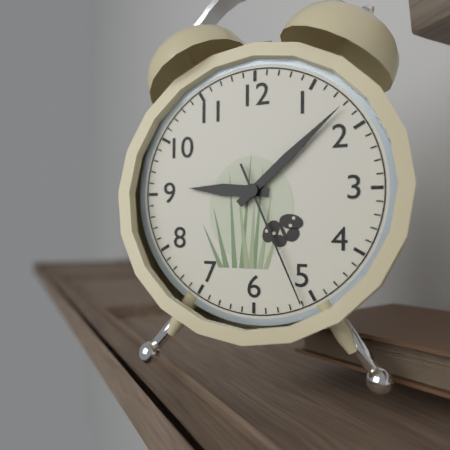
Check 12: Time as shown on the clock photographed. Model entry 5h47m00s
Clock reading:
9h08m26s
